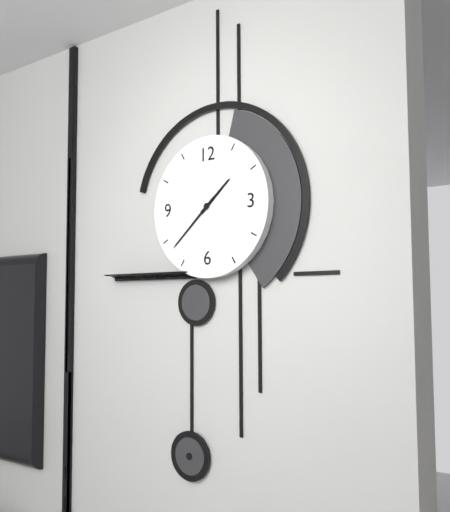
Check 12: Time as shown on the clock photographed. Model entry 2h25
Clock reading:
1h38
